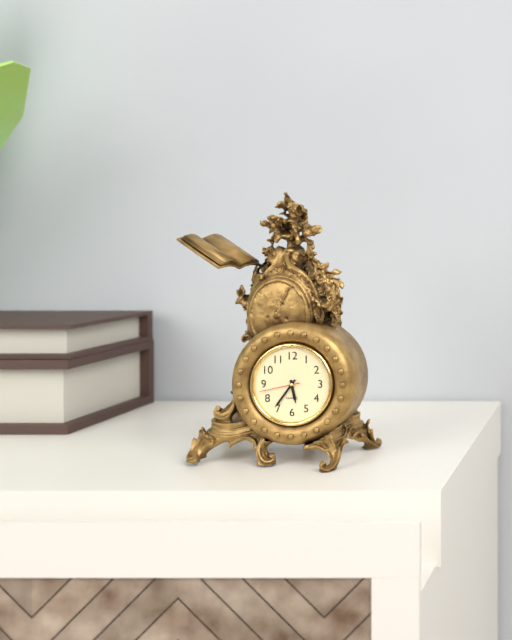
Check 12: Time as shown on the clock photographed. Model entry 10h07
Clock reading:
5h36
